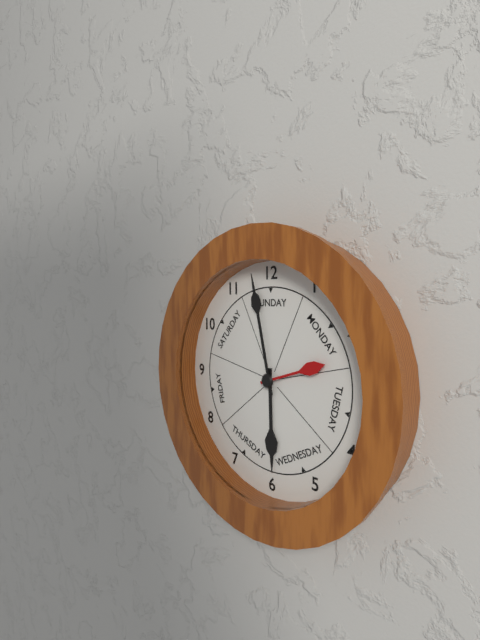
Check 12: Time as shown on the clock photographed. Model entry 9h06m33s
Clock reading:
5h58m12s
